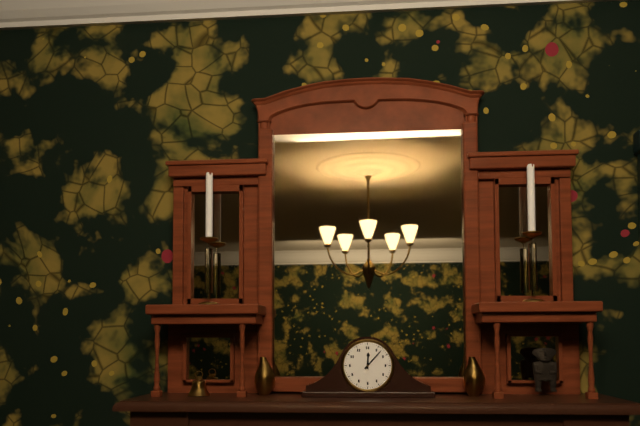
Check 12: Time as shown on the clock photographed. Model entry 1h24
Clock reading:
12h07
